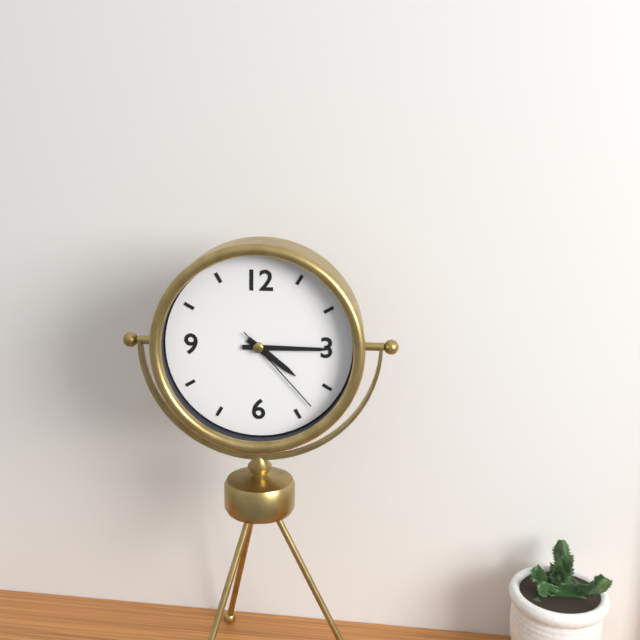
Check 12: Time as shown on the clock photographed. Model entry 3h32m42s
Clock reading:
4h15m23s
